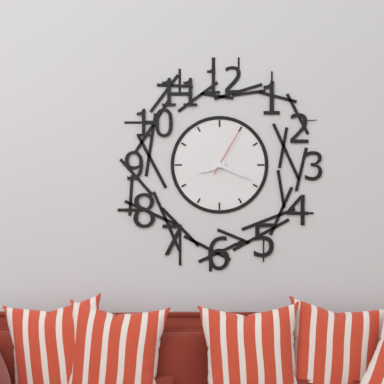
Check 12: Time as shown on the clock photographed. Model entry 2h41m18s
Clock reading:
8h19m05s
